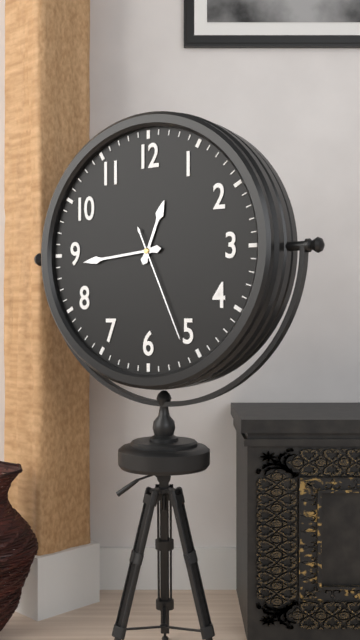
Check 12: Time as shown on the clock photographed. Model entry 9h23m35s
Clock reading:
12h44m26s
